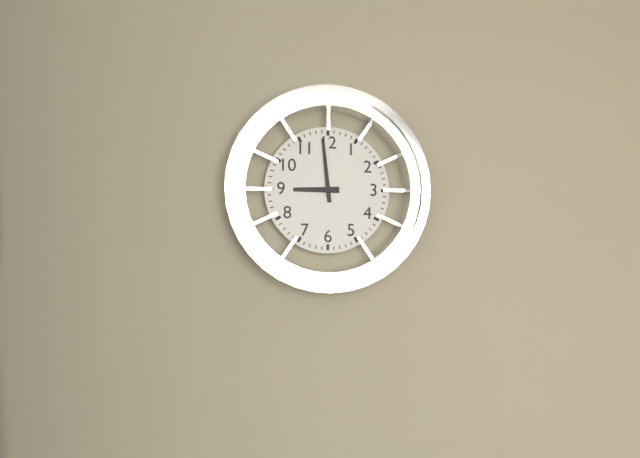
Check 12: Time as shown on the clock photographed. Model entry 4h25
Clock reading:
8h59
